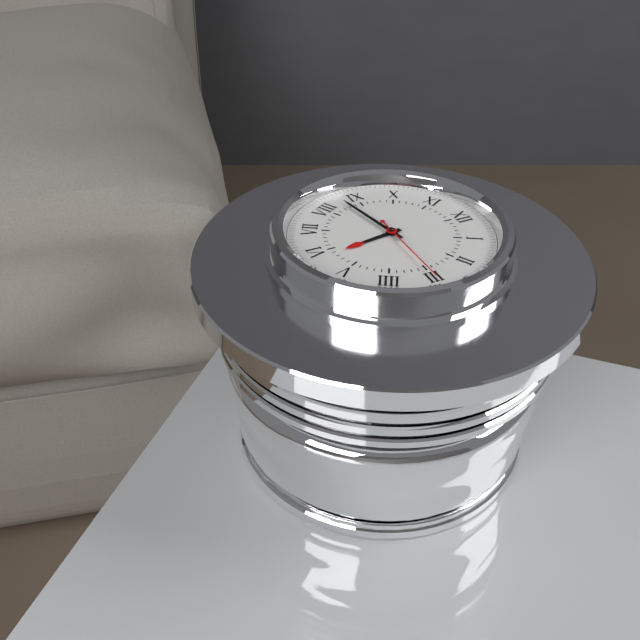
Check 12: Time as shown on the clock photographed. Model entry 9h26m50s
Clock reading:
5h43m15s
